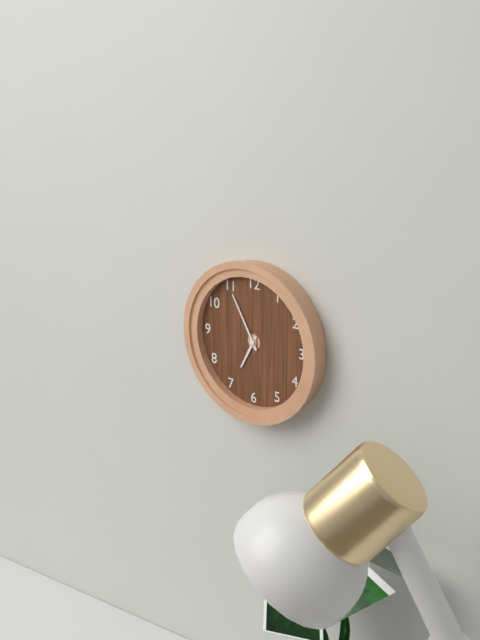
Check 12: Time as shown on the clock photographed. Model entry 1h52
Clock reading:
6h55
